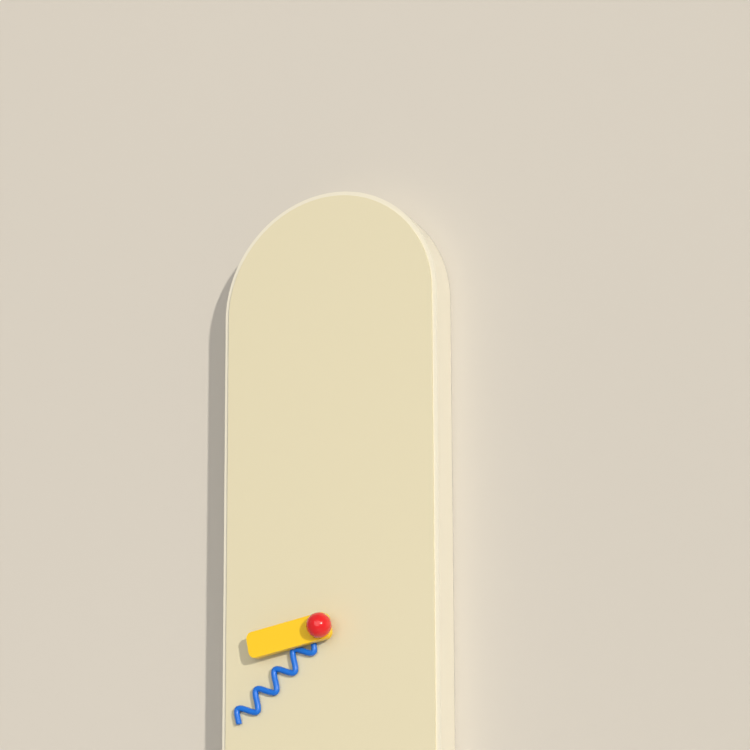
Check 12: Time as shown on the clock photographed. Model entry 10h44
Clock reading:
8h38
